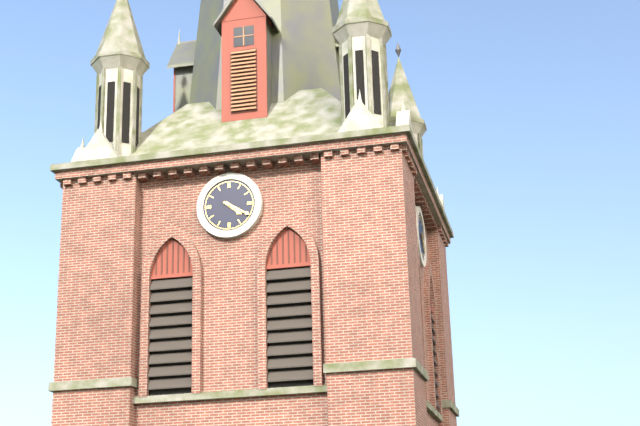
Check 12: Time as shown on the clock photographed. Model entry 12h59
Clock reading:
4h20
